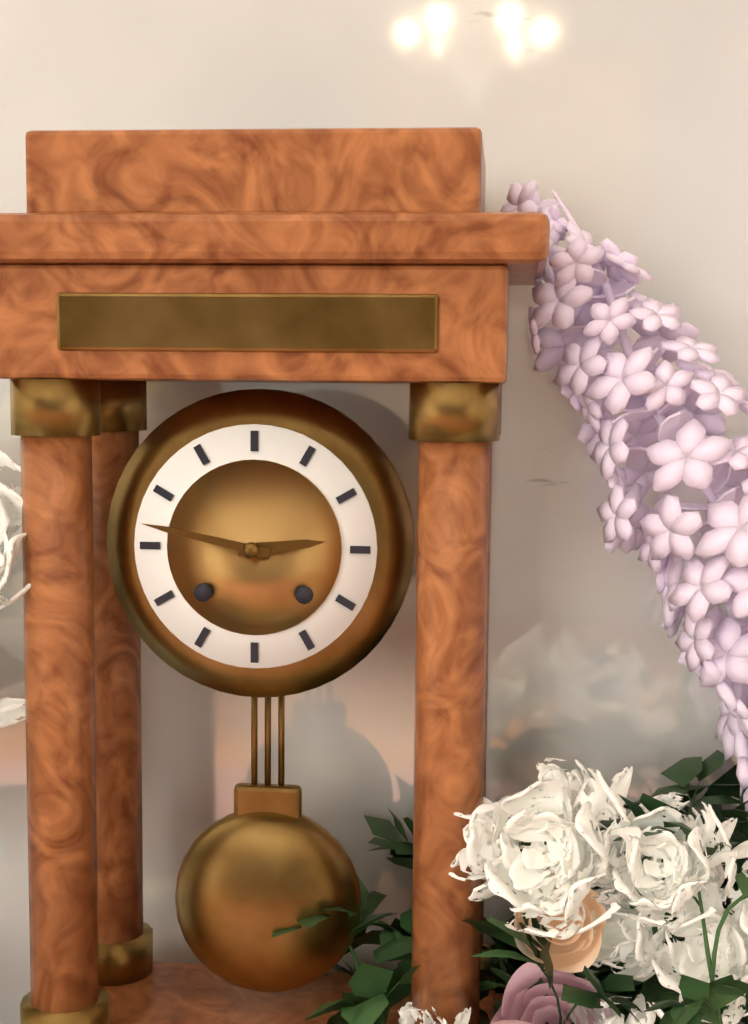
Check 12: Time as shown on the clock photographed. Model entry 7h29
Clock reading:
2h47
